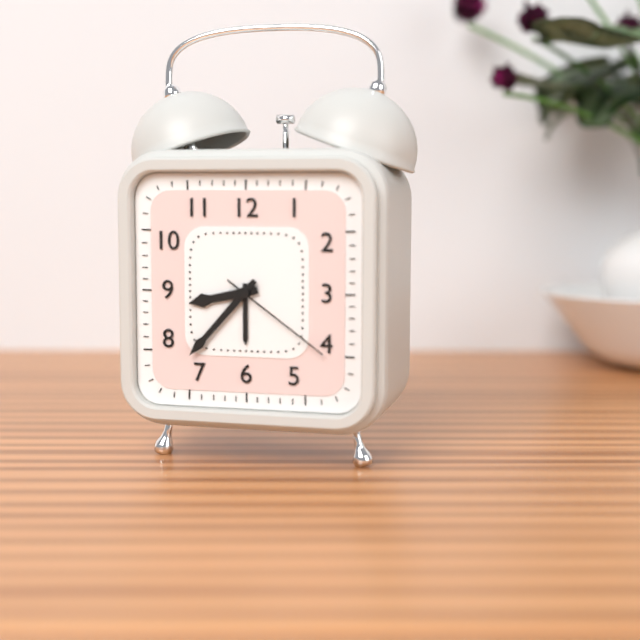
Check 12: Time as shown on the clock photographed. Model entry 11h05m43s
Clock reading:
8h37m21s
